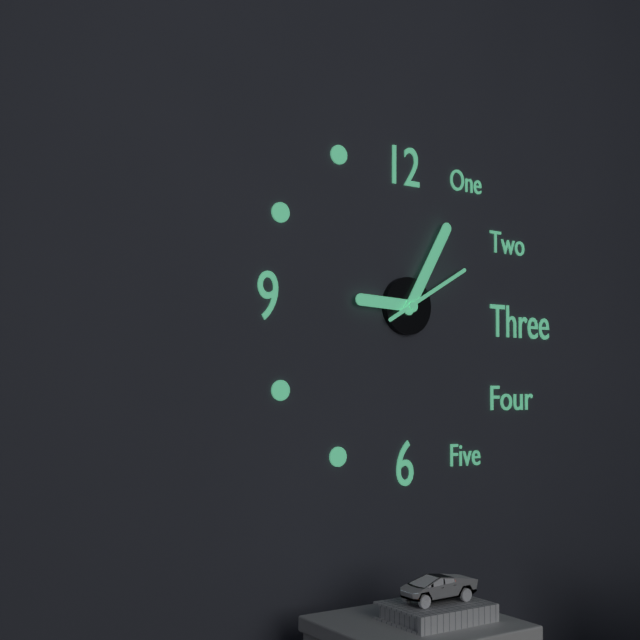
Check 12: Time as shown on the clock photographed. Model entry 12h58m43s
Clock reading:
9h05m10s
